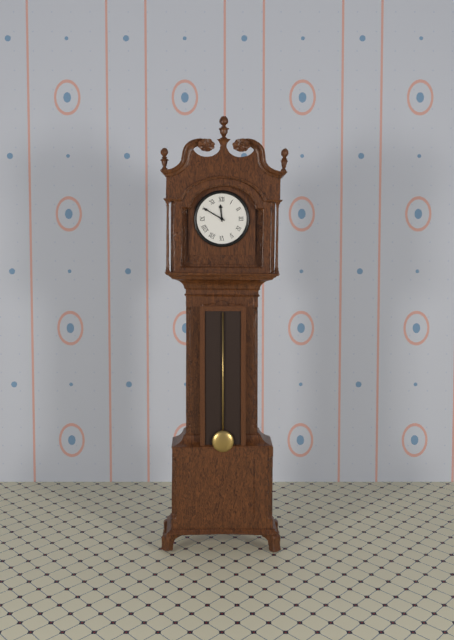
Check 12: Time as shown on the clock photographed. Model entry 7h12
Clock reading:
11h50
